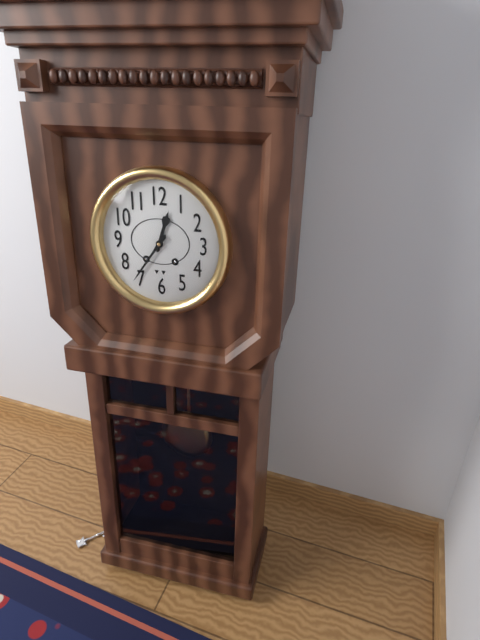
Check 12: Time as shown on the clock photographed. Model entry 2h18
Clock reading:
12h36
